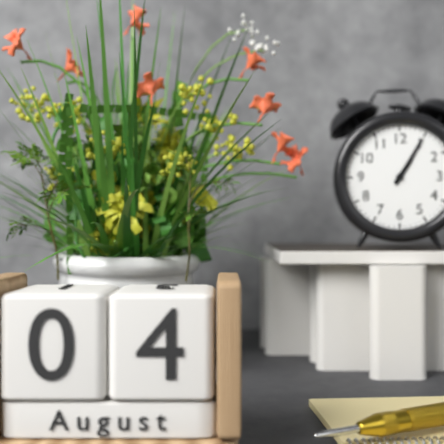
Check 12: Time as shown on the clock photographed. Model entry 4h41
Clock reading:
1h05
